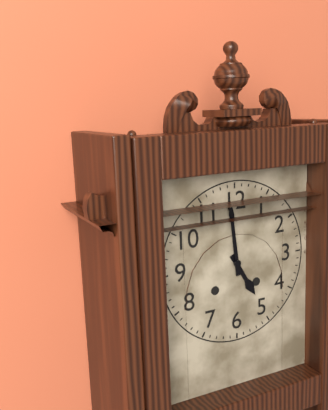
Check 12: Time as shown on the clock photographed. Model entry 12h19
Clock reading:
4h59
